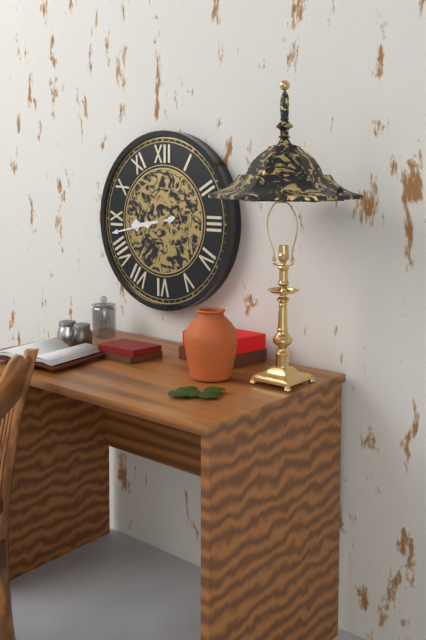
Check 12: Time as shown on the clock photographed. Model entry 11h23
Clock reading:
8h43
